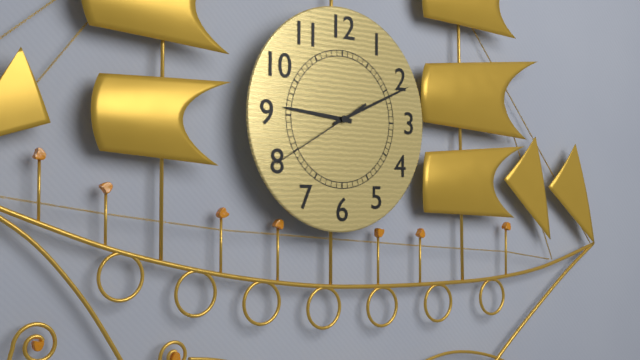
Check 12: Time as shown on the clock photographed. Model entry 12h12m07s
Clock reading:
9h11m40s
